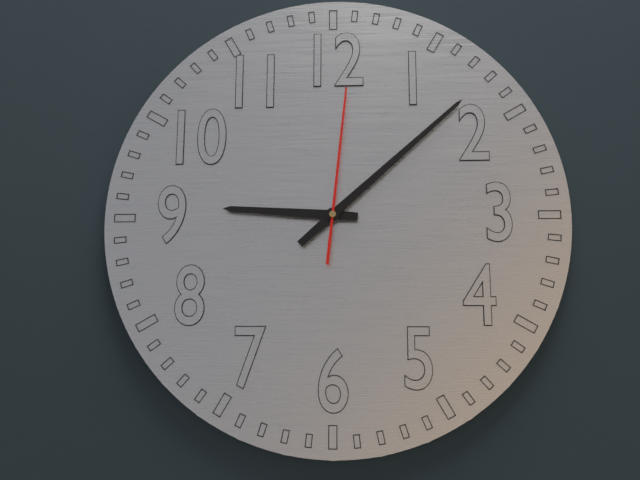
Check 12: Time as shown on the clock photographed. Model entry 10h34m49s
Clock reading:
9h08m01s
